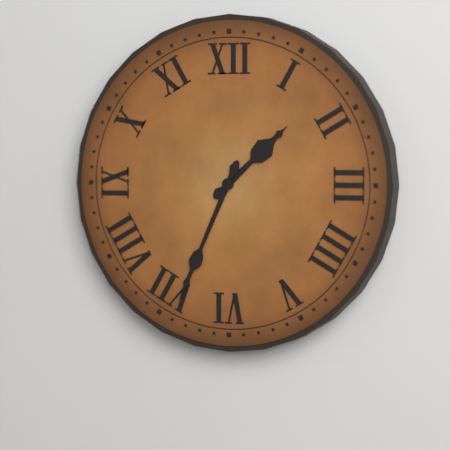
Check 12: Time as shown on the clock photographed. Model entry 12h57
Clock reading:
1h34
